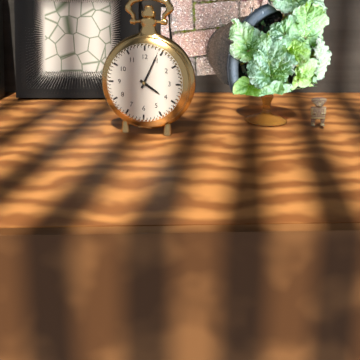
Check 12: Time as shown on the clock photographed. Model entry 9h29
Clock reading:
4h04
